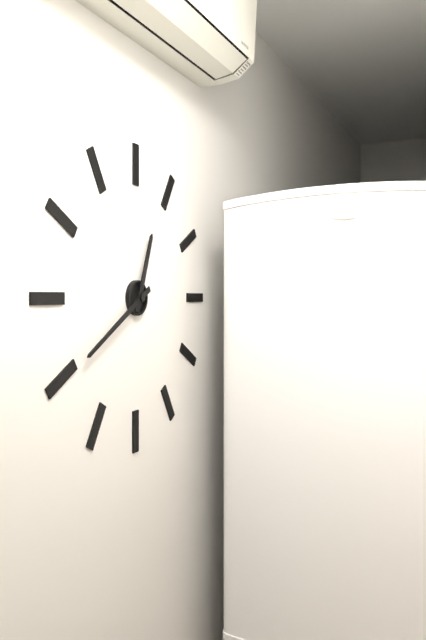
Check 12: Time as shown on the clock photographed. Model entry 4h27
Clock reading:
12h40
